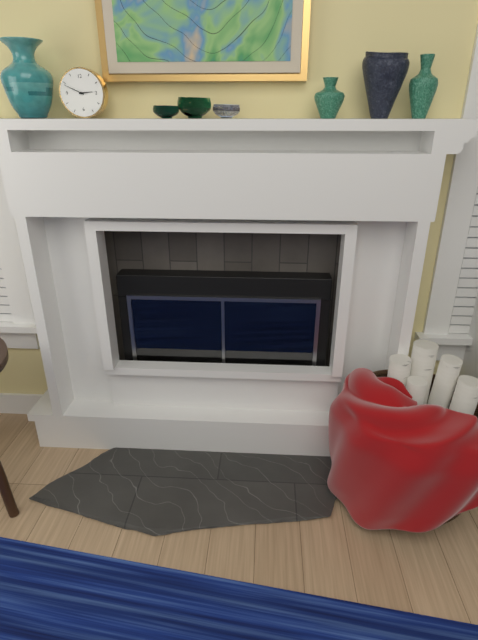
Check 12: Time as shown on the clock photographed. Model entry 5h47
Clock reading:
2h49
